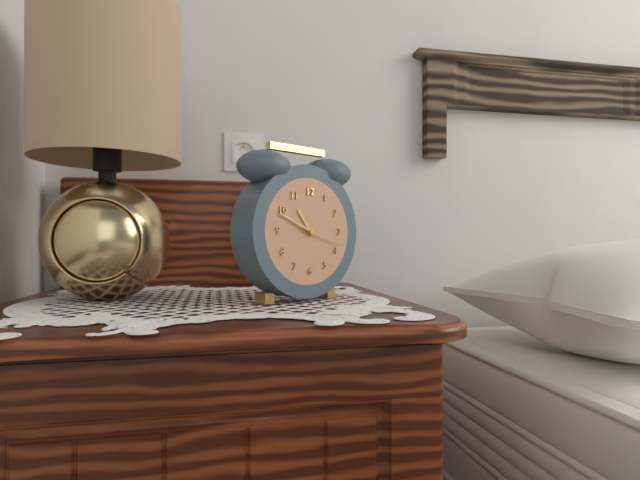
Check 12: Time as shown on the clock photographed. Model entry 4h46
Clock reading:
10h49
